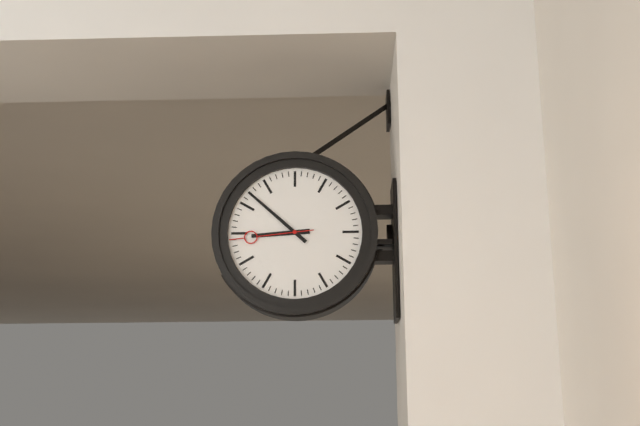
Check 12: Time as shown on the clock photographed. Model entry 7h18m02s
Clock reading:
8h52m44s
